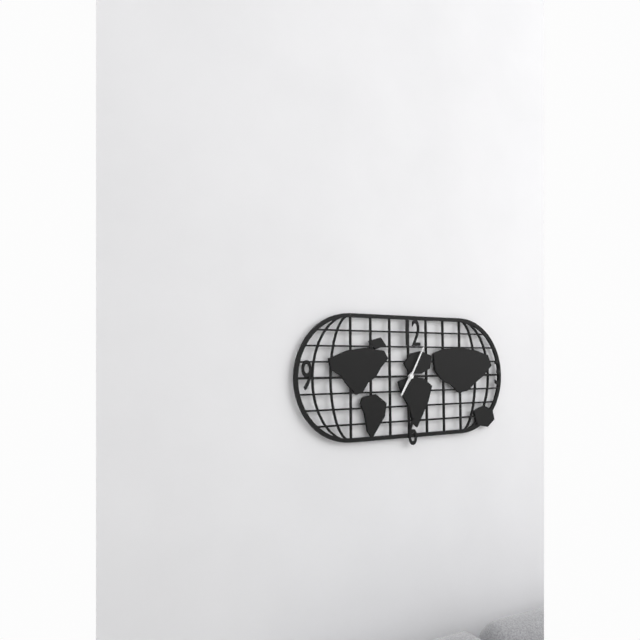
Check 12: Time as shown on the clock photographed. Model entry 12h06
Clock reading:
7h05
